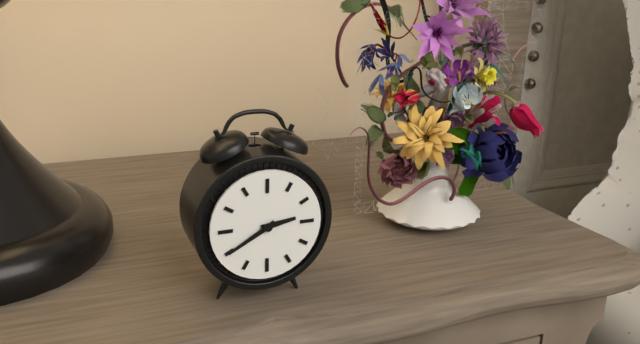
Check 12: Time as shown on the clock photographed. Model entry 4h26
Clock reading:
2h40
